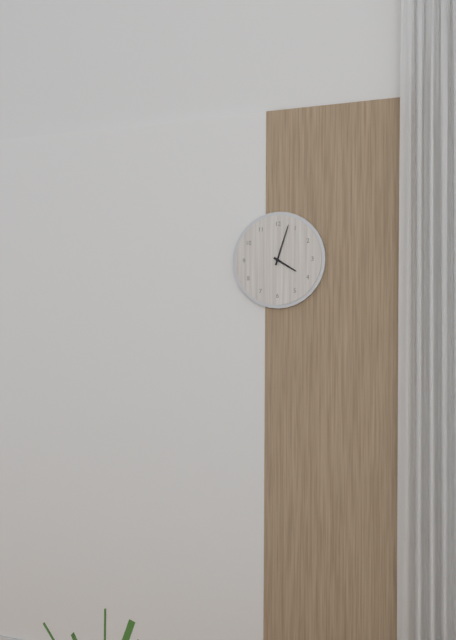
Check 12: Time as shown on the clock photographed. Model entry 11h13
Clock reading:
4h03
